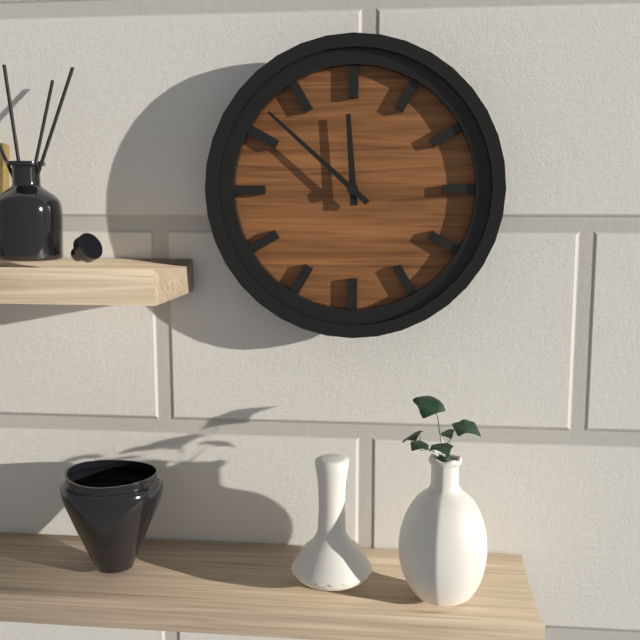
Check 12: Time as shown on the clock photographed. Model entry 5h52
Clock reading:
11h52
